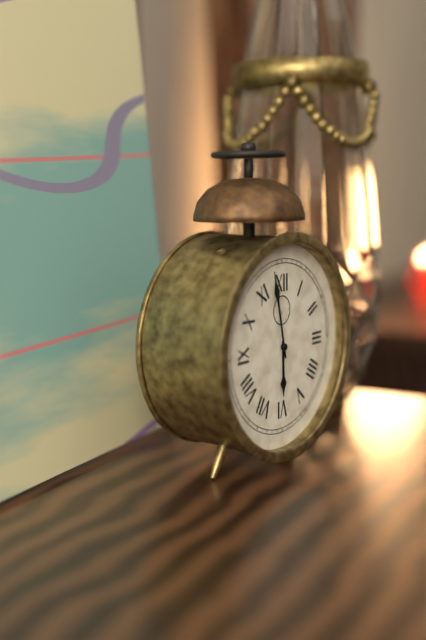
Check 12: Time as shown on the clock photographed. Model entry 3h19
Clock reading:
5h58
